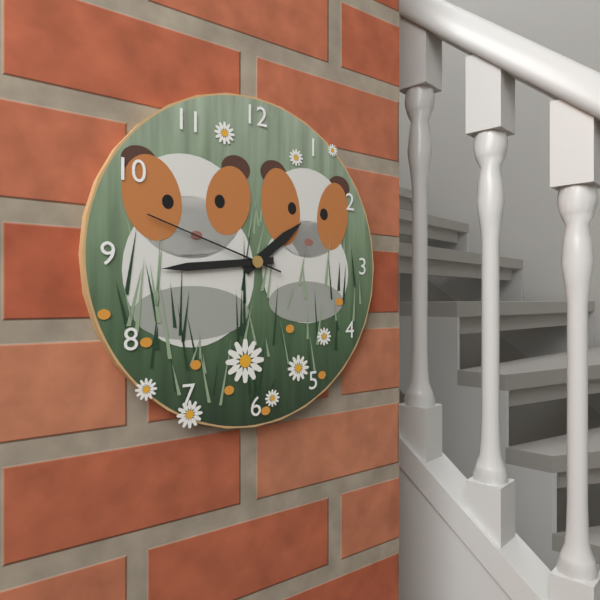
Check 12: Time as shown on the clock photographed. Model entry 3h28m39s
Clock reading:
1h44m48s
